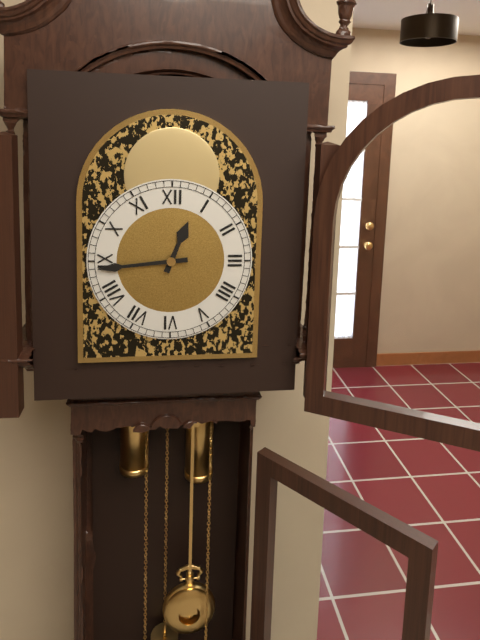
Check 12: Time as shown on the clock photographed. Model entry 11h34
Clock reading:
12h44
